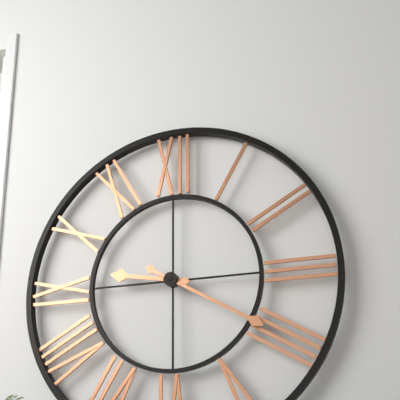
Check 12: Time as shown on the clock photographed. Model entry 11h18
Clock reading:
9h20
